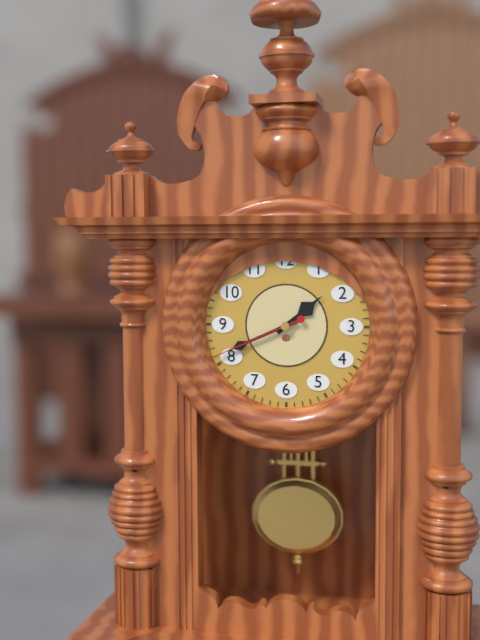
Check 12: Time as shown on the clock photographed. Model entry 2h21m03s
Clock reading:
1h41m41s
